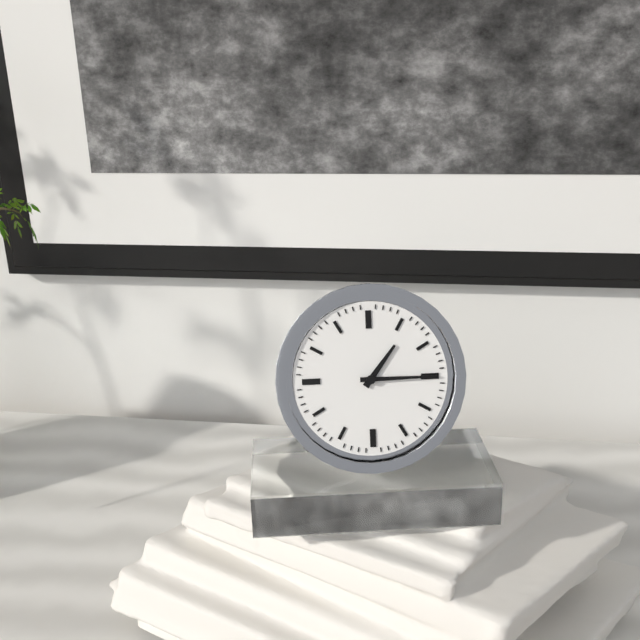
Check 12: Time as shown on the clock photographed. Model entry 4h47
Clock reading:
1h15
